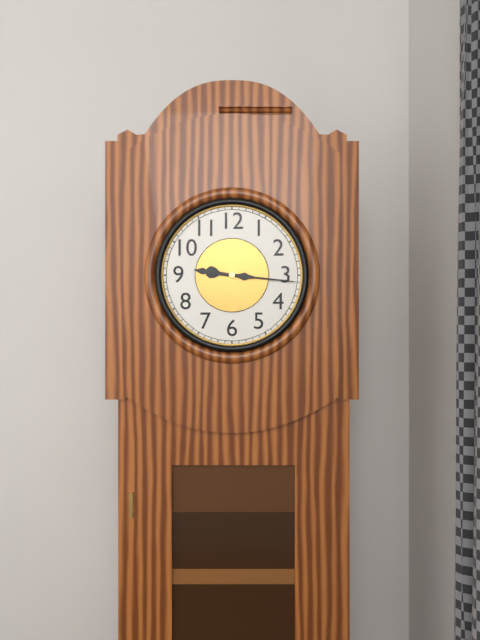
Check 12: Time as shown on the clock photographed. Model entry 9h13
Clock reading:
9h16
